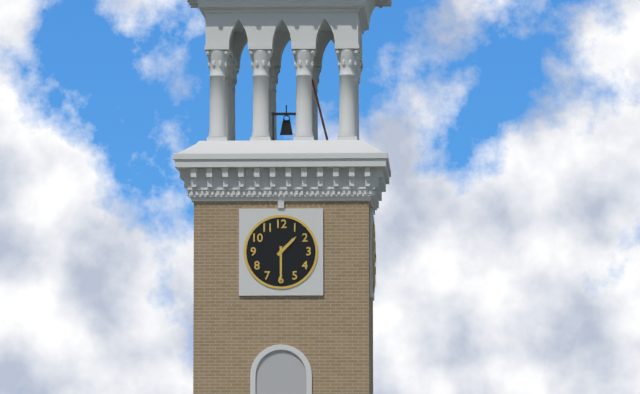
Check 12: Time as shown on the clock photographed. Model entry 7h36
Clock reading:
1h30
